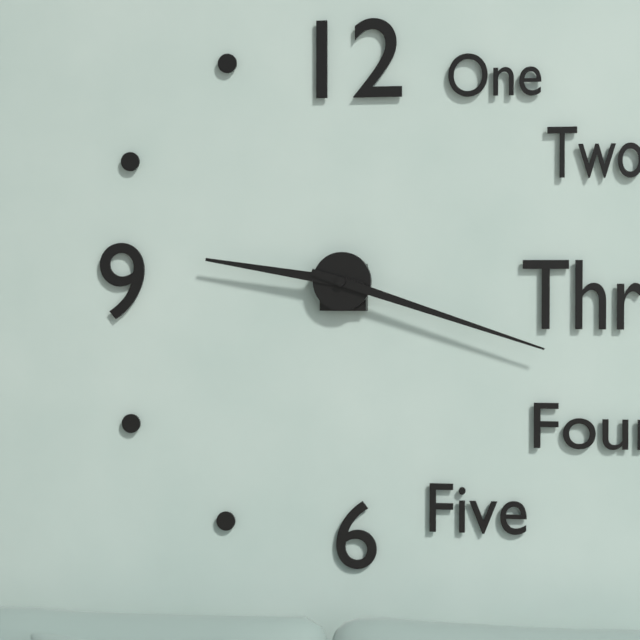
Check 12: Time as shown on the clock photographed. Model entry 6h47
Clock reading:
9h18
